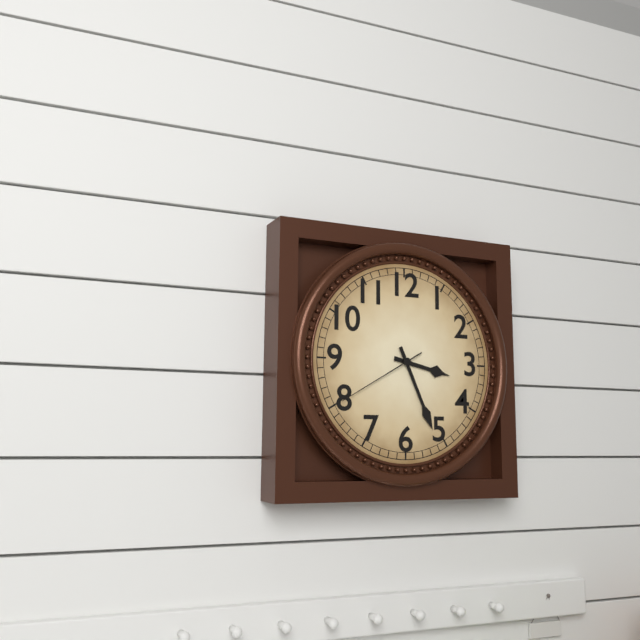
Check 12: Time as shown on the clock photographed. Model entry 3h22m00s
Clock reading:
3h26m40s
